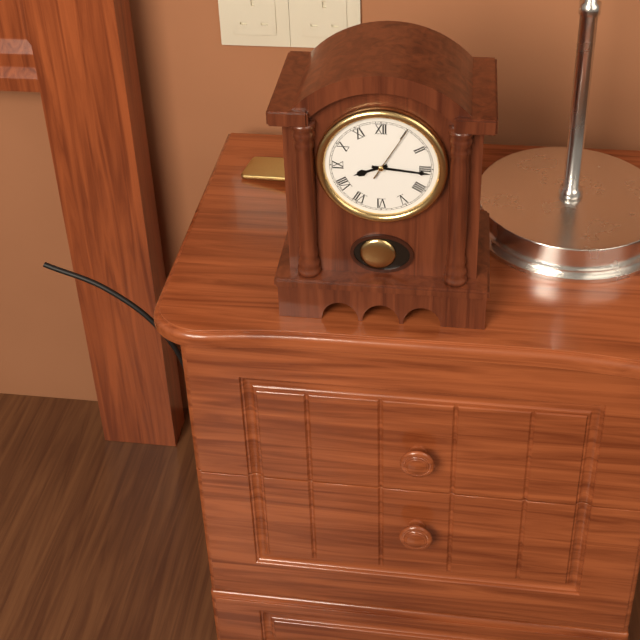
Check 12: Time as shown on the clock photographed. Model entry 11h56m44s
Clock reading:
8h16m05s
